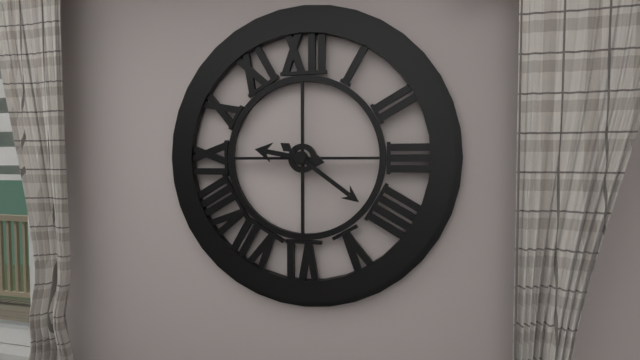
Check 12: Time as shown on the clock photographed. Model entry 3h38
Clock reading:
9h21
